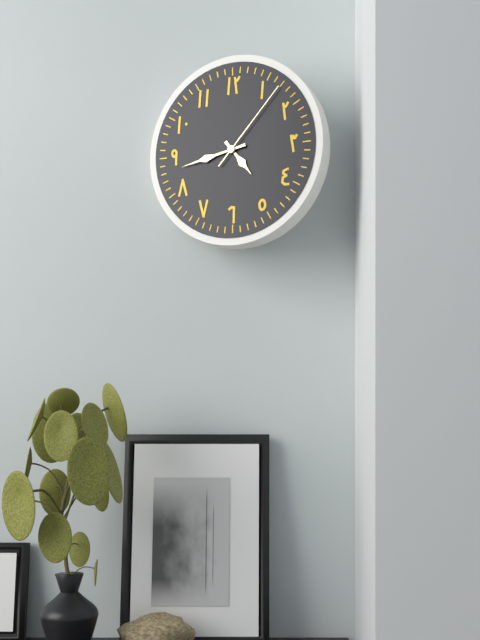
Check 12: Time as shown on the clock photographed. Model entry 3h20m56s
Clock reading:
4h43m07s
